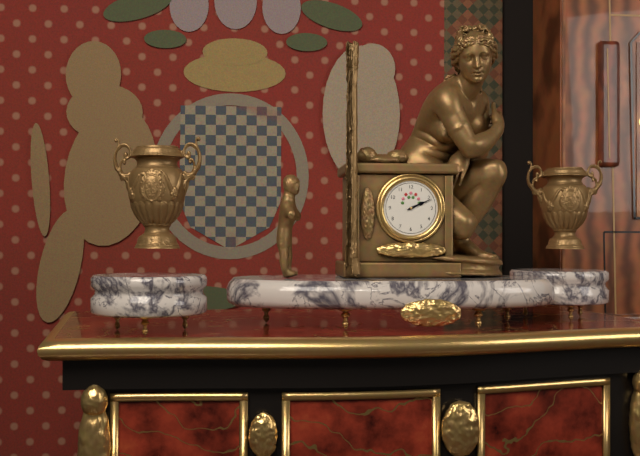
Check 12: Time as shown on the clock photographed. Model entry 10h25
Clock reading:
2h11
